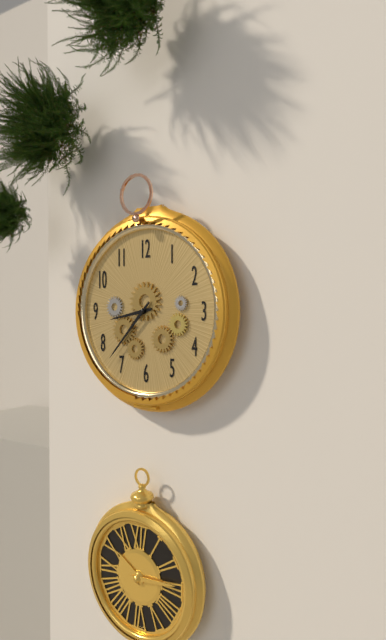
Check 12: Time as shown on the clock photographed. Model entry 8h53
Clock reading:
8h37
